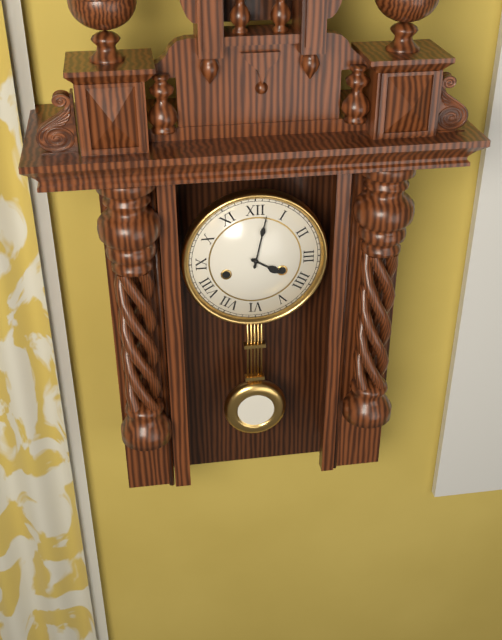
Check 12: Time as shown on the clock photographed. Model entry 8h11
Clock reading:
4h02
